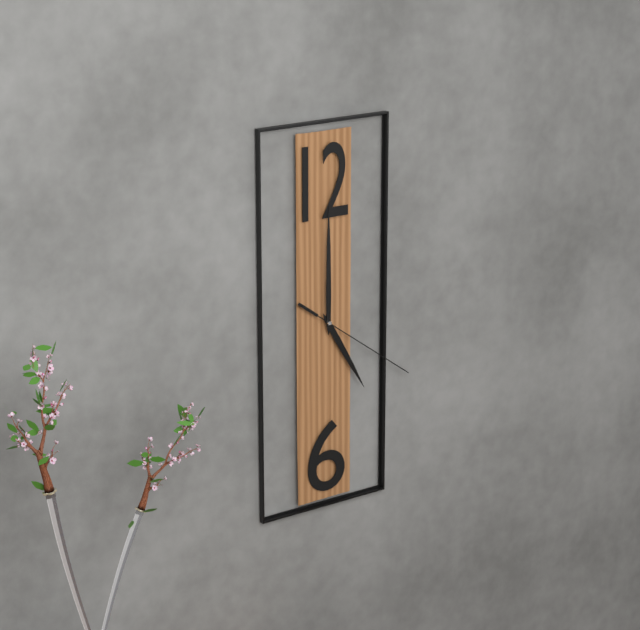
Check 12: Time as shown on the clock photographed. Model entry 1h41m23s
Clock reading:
5h00m21s
